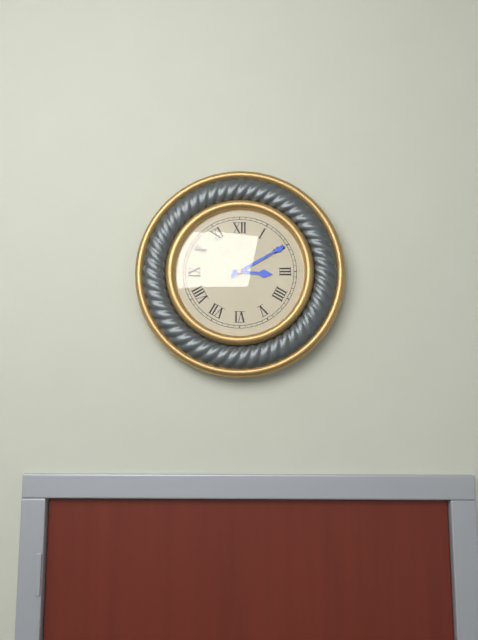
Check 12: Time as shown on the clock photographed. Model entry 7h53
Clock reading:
3h10
